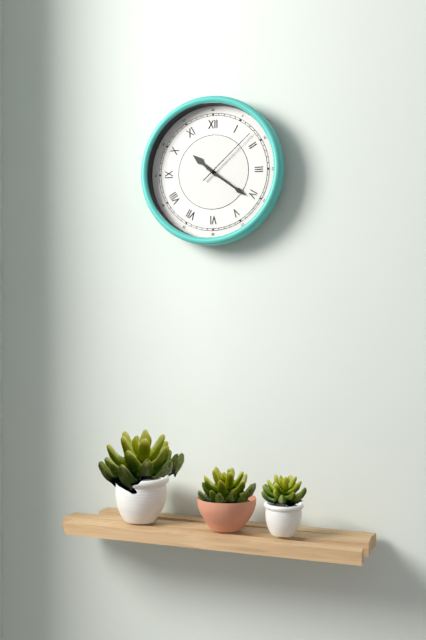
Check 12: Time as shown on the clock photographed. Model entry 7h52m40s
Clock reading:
10h21m08s
